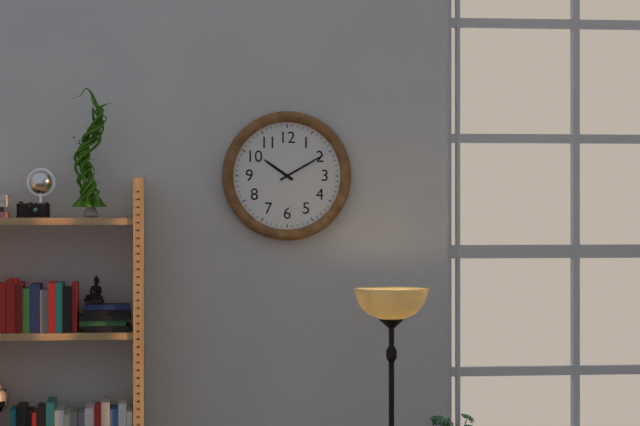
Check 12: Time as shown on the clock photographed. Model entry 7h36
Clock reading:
10h10
